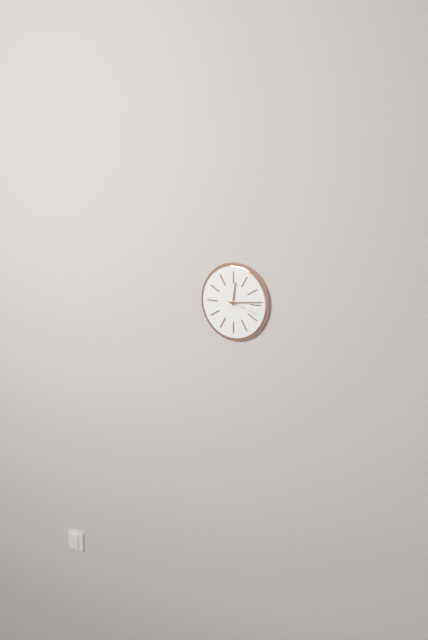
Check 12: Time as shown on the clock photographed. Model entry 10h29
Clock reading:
12h14
